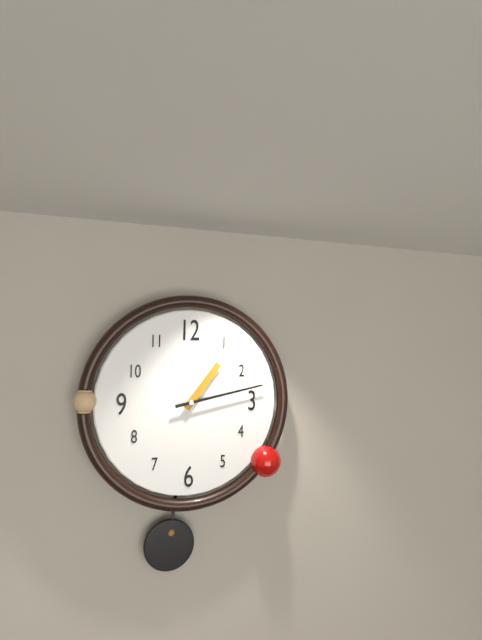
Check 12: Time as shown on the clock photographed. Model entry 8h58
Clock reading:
1h13
